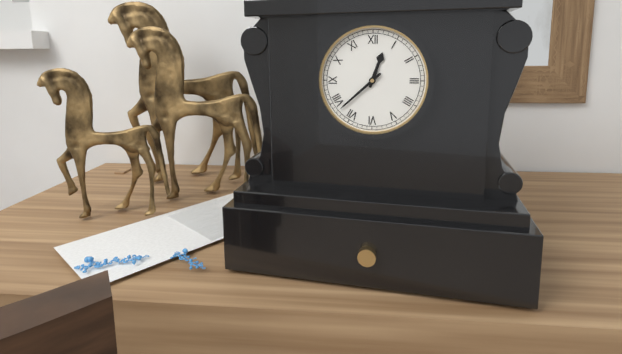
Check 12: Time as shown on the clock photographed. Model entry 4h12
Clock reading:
12h38
